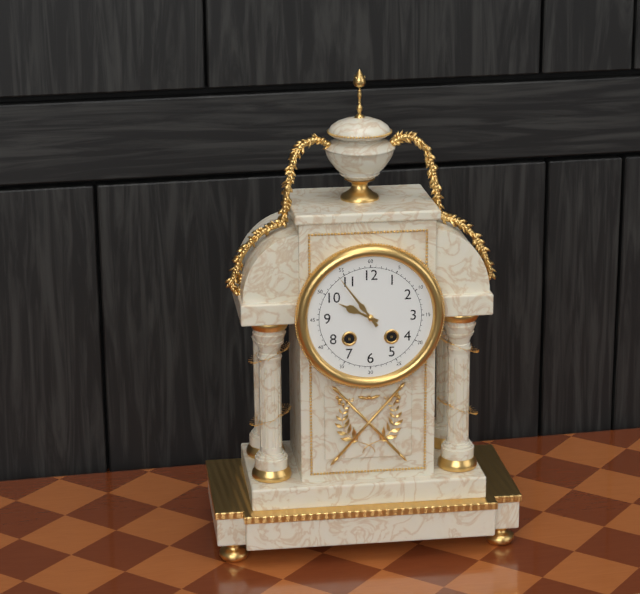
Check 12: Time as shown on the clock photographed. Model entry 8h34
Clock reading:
9h54
